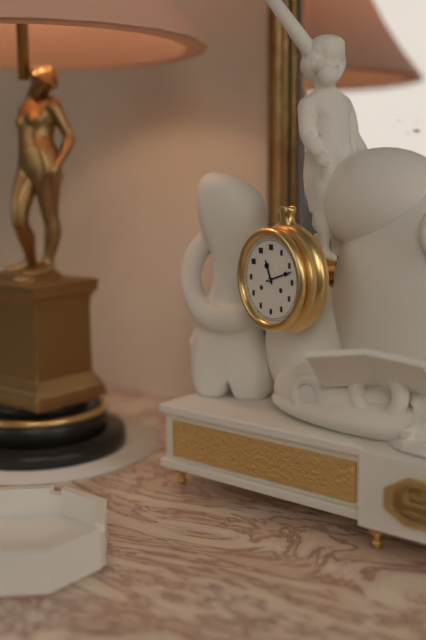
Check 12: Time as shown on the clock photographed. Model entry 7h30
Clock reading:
11h12
